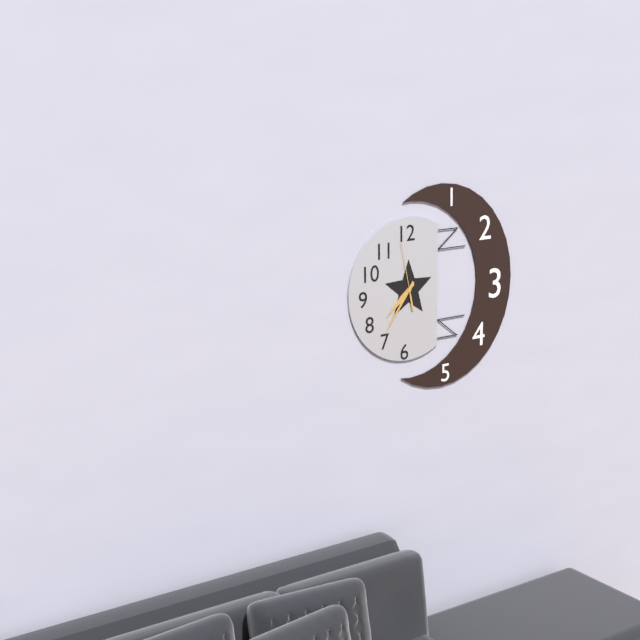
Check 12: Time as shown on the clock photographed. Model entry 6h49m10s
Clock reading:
7h36m58s
